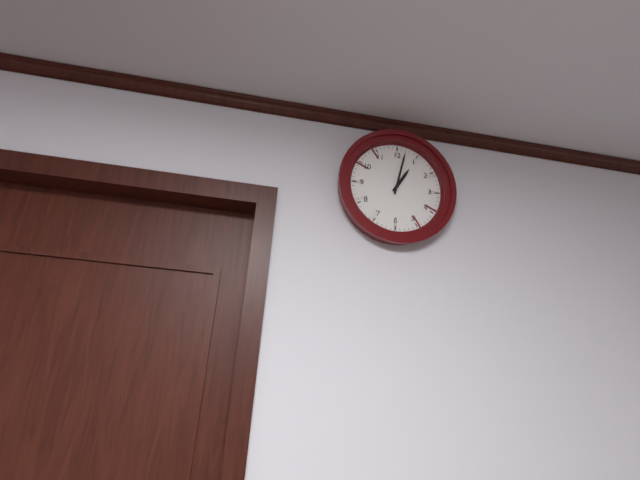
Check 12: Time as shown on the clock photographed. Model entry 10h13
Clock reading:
1h02
